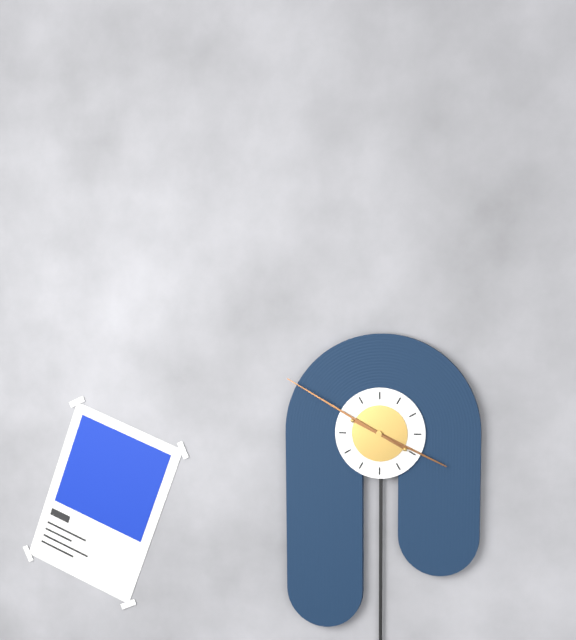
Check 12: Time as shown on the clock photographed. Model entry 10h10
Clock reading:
3h50
